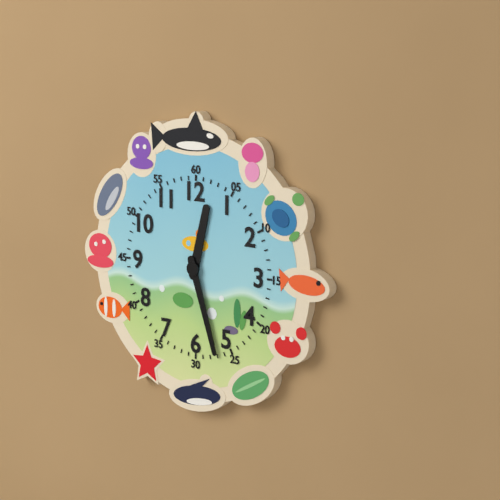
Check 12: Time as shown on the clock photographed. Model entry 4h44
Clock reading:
12h27
